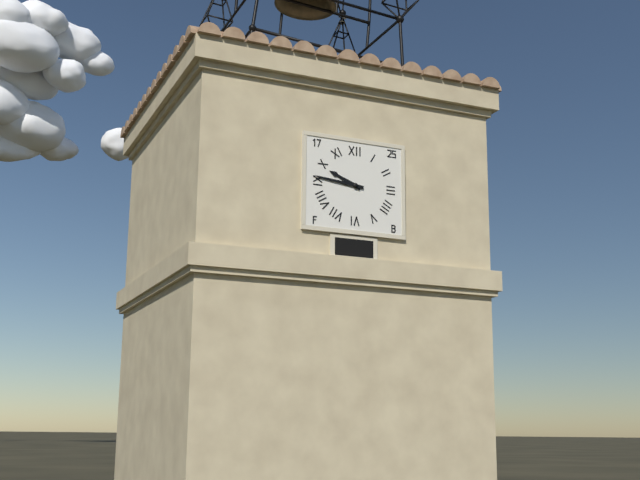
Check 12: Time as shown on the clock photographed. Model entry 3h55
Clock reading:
9h46
